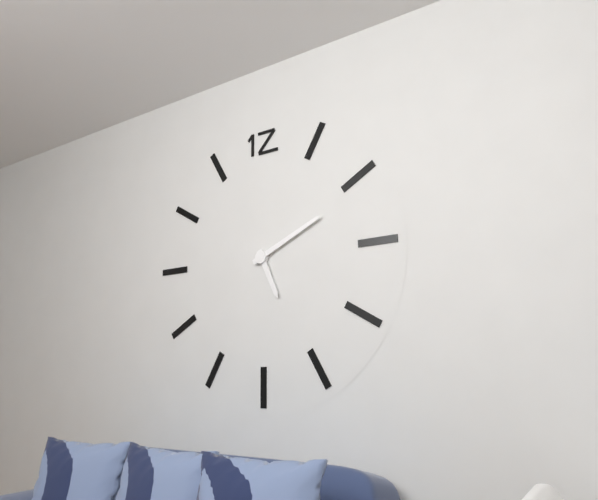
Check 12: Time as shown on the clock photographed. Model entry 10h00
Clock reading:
5h11
